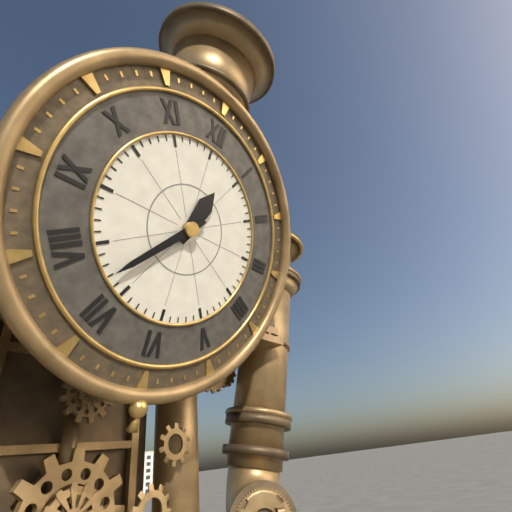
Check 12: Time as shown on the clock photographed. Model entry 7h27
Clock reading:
12h37
